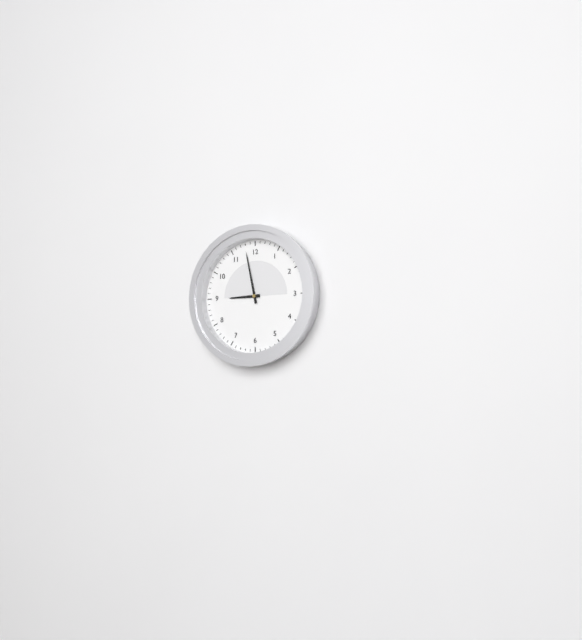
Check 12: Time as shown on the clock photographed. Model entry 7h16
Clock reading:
8h58
